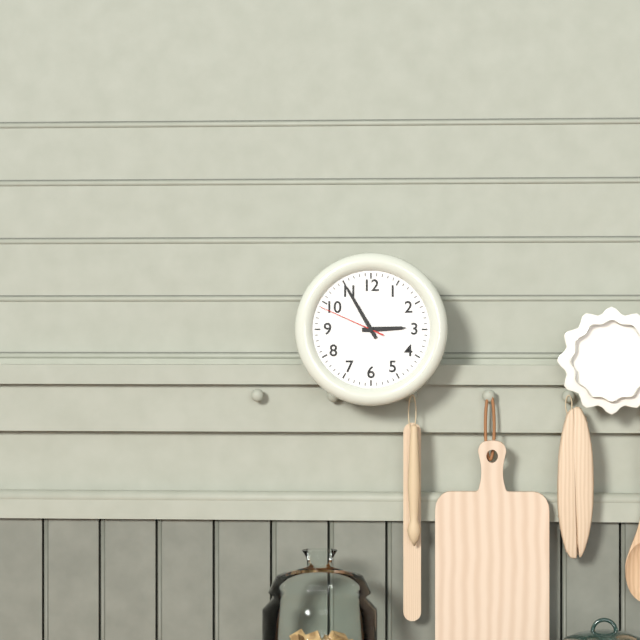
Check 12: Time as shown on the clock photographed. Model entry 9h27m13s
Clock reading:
2h55m49s
